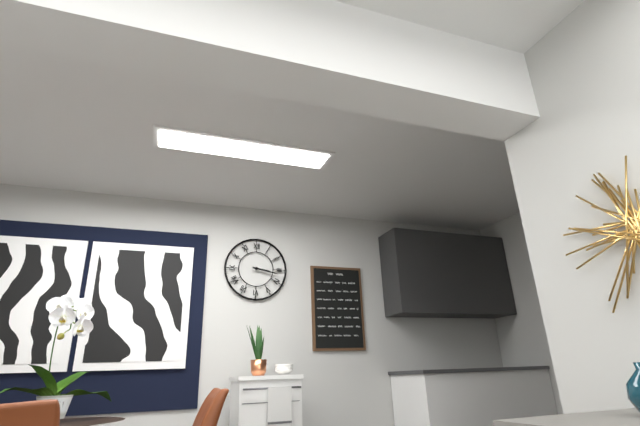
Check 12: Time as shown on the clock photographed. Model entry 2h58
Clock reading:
3h17
